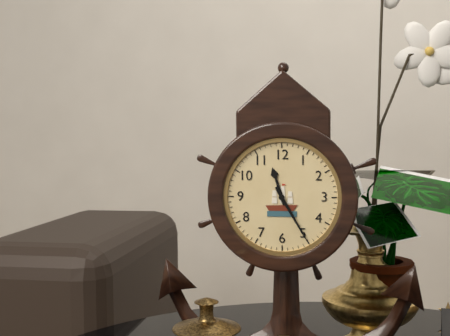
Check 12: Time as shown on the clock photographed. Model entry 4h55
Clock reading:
11h25
